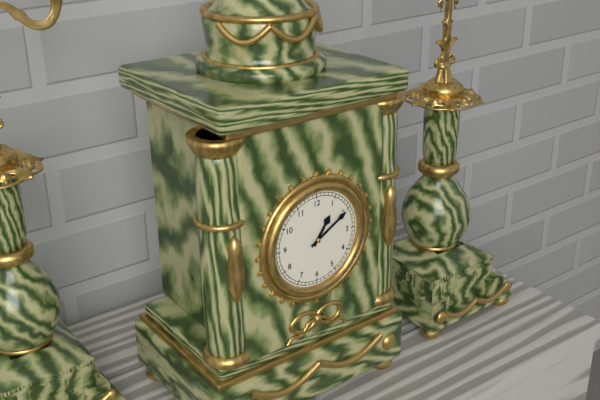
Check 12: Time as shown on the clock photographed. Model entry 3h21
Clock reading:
1h10
